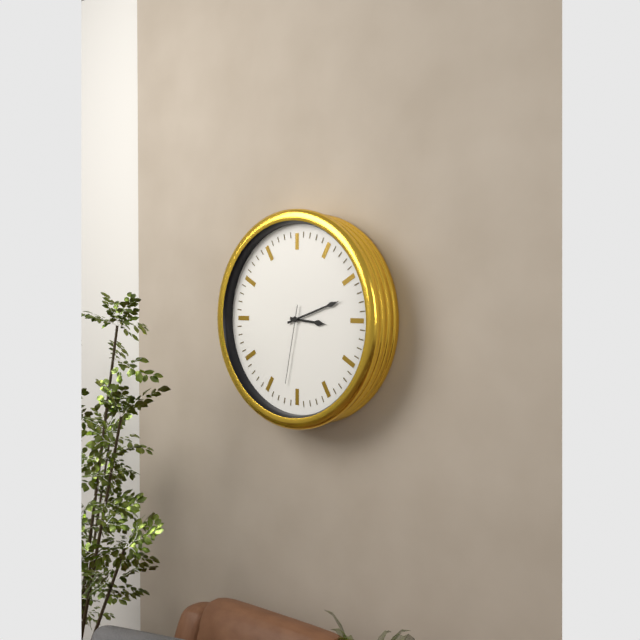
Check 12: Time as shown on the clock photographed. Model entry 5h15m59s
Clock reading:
3h12m32s
